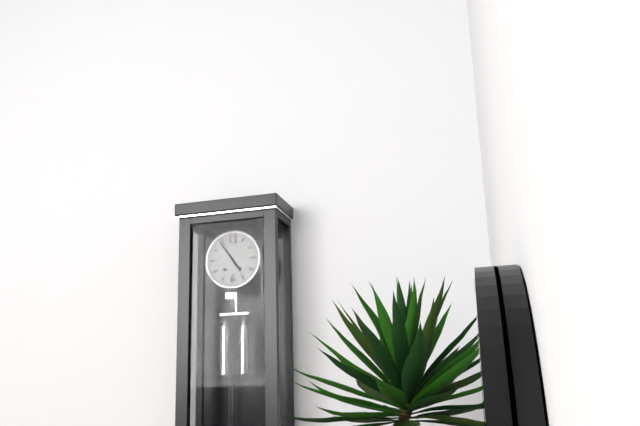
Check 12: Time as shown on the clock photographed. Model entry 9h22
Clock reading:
4h54
